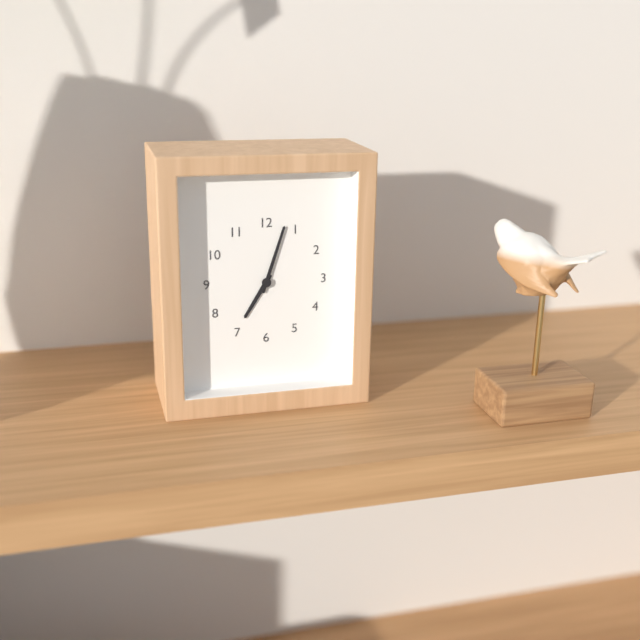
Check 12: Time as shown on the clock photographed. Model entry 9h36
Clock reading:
7h03
